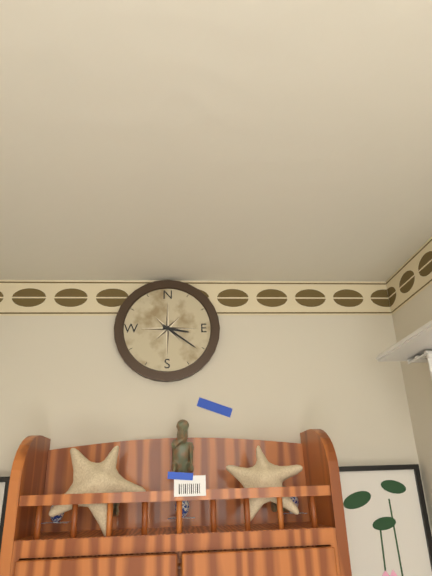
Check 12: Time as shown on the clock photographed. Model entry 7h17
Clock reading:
3h21
